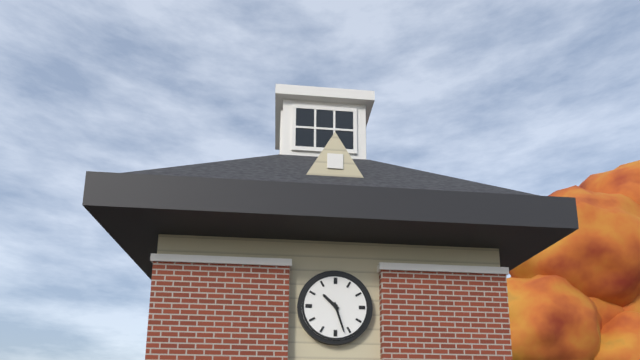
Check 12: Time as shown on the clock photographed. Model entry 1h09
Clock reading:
10h27
